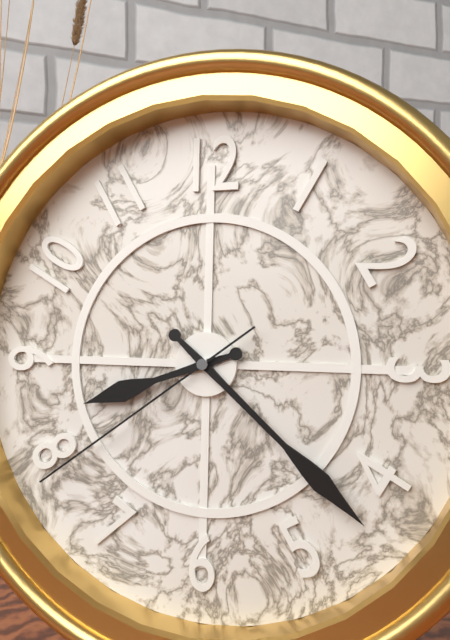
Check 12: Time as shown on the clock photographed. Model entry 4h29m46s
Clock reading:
8h22m39s
